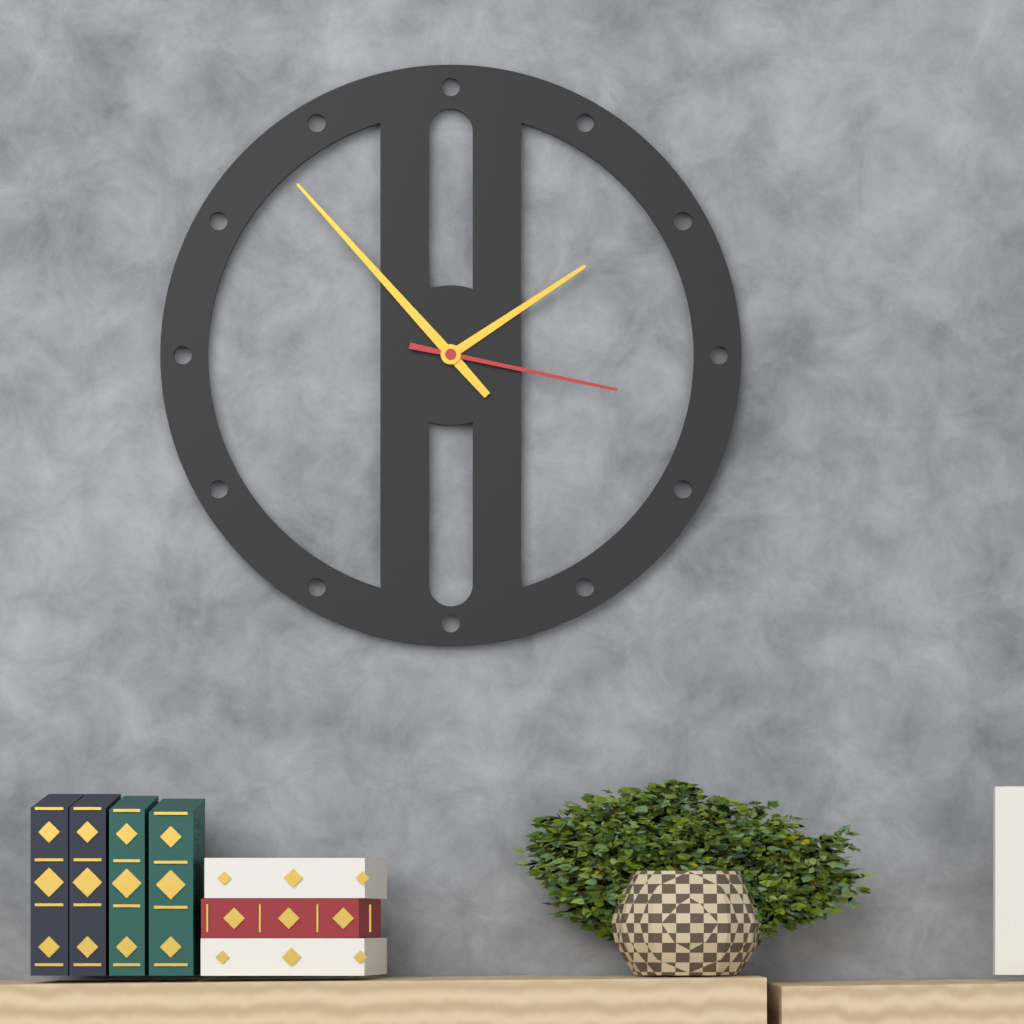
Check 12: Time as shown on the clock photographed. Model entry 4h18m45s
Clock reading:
1h53m17s
